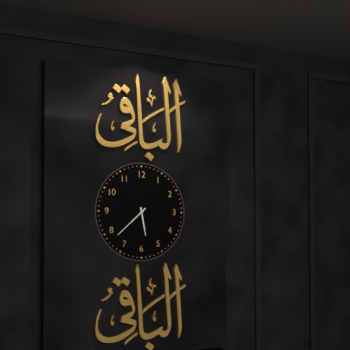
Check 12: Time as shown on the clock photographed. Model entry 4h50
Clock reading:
5h38
